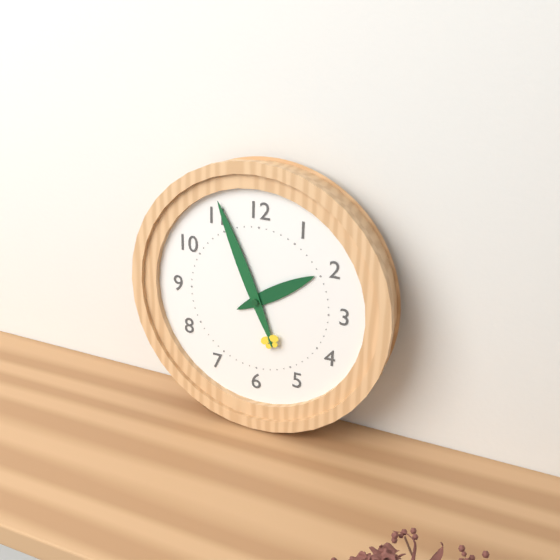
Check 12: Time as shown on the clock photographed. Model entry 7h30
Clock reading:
1h56
